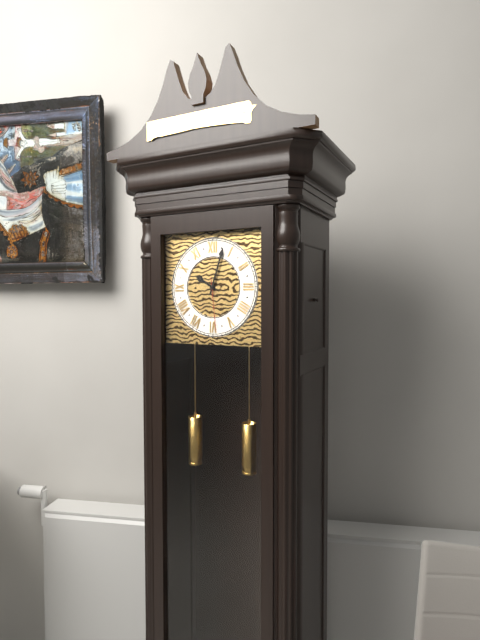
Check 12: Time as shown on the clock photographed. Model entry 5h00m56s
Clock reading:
10h03m29s
